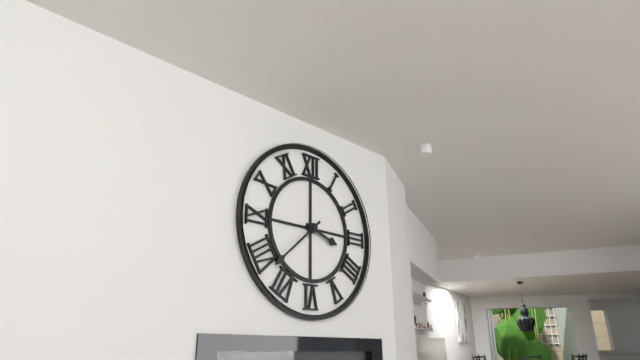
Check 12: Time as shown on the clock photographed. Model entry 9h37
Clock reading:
3h38
